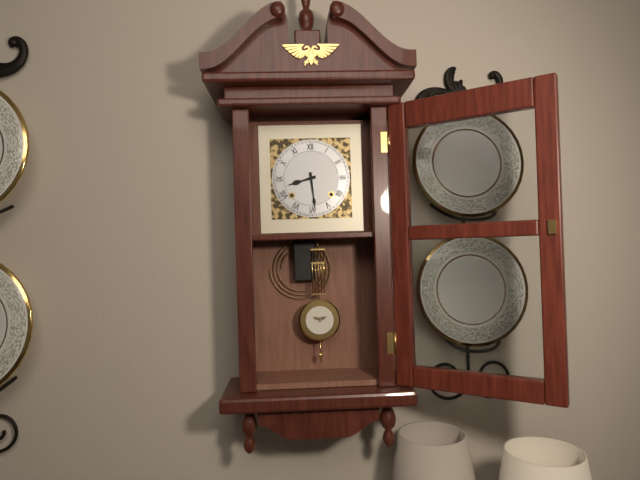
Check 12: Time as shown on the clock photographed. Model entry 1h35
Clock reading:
8h29
